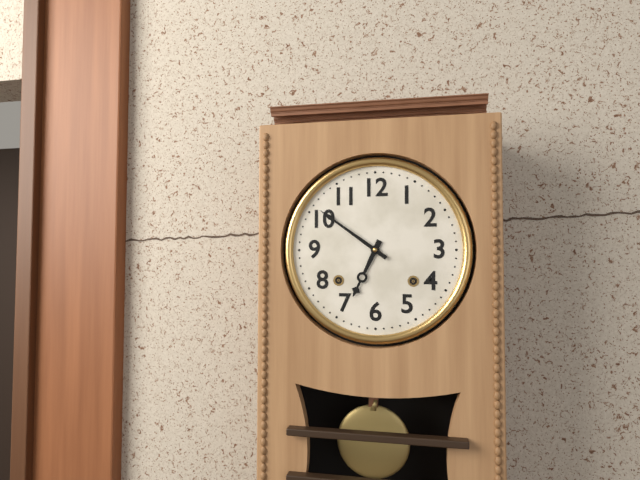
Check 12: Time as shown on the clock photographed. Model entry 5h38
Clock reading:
6h51
